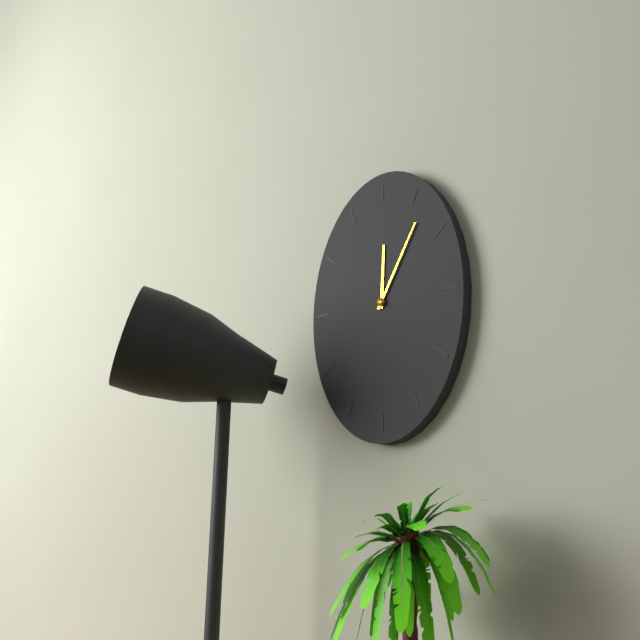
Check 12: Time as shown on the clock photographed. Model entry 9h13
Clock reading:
12h05
